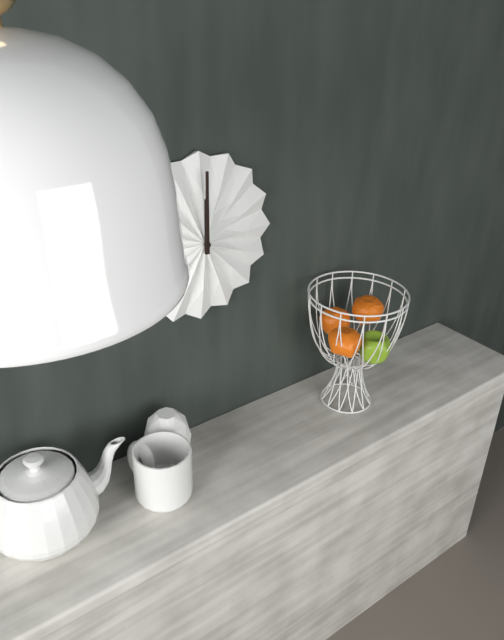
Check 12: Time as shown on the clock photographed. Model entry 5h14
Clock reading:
12h00
